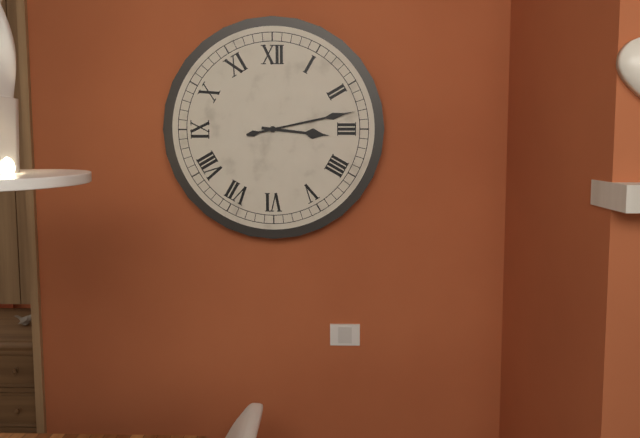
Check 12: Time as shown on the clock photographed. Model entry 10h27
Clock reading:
3h13
